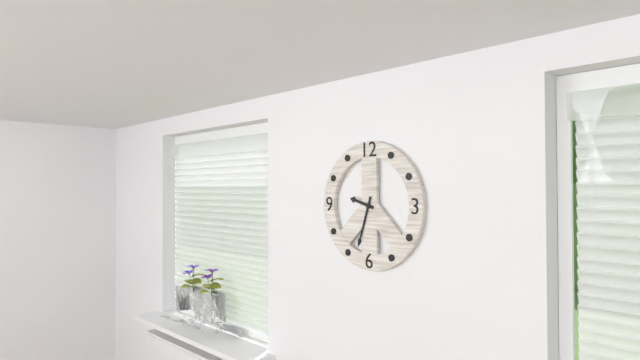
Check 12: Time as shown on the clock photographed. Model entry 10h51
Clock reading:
9h33
